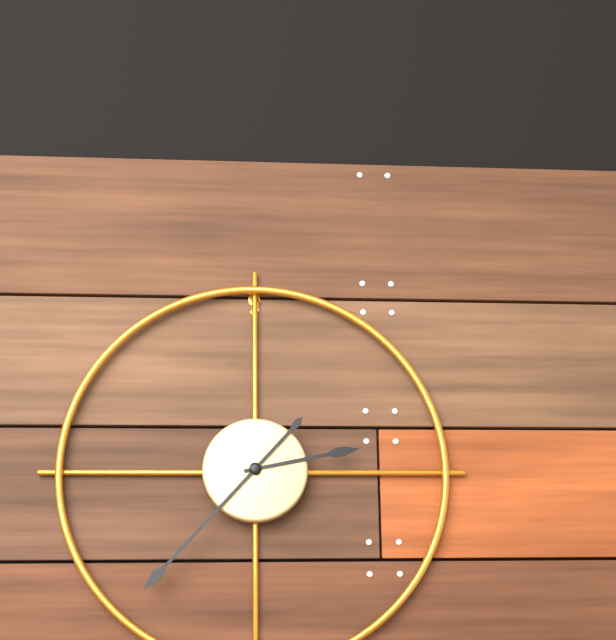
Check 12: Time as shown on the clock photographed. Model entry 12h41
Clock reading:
2h37
